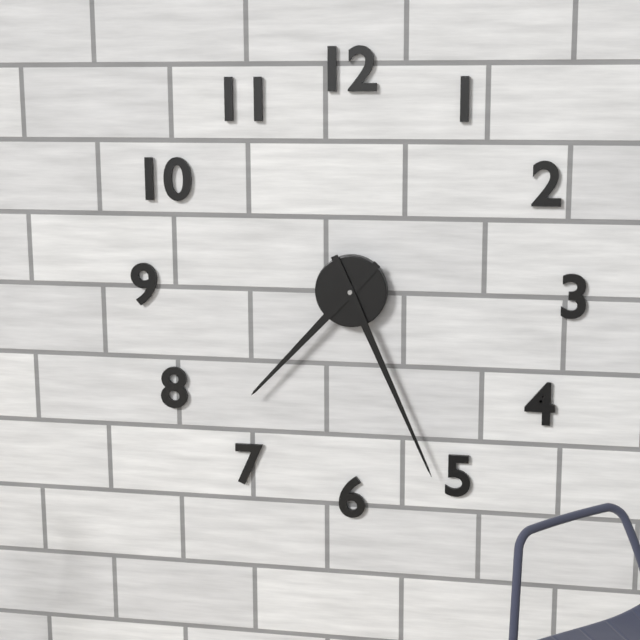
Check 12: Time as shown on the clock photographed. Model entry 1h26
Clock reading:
7h26
